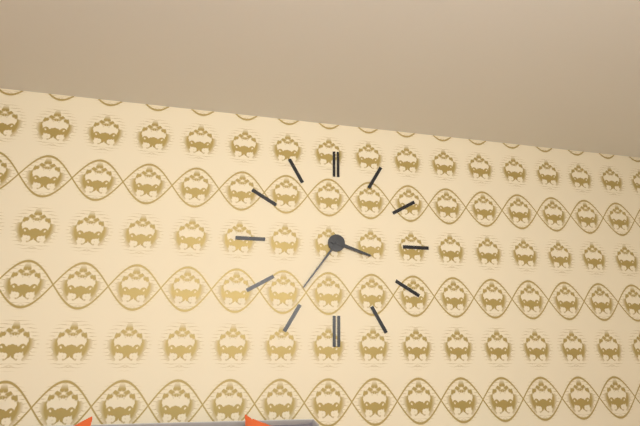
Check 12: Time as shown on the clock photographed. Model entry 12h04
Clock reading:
3h36
